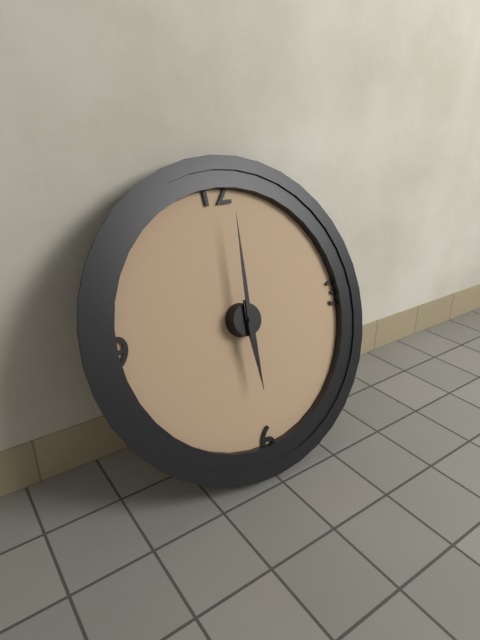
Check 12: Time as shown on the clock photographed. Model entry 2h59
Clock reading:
6h01
